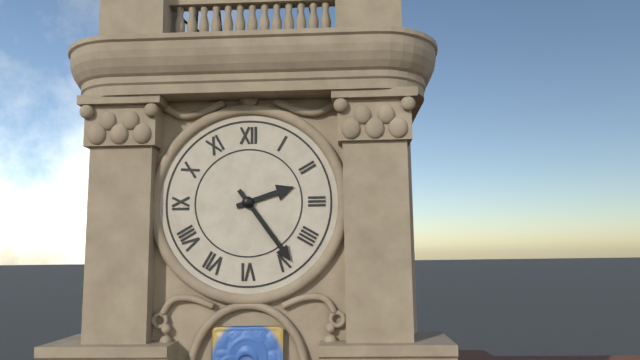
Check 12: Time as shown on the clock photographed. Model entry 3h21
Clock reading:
2h24
